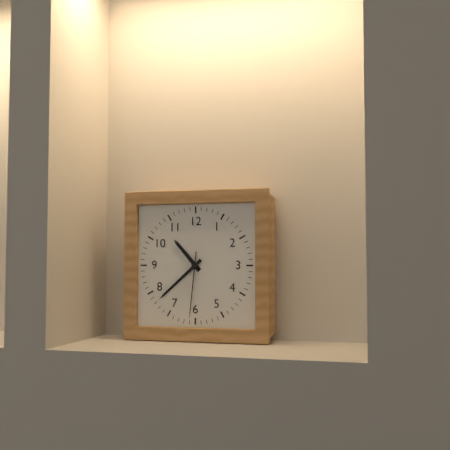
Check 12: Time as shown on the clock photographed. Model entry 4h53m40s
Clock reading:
10h38m31s
